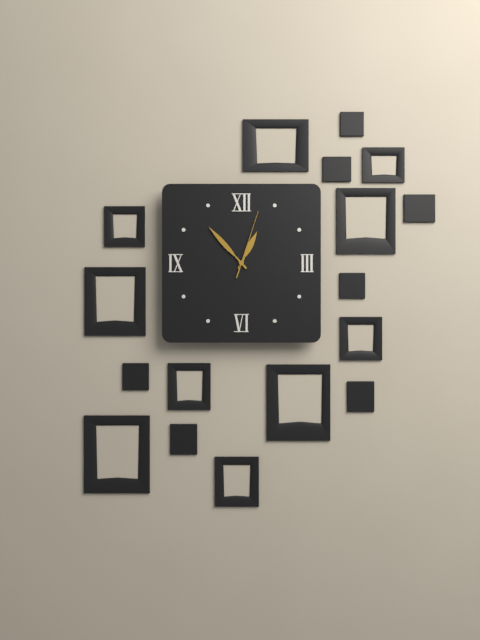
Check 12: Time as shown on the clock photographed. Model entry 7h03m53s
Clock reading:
12h53m03s
